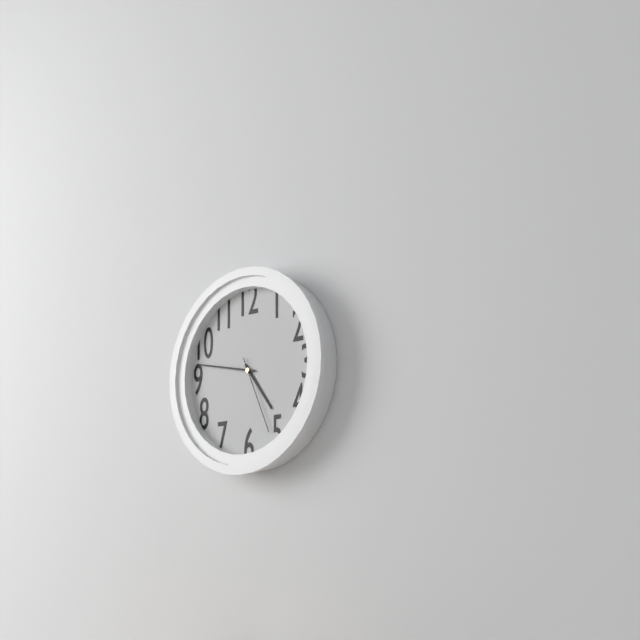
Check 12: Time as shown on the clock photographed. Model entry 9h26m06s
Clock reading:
4h47m26s
